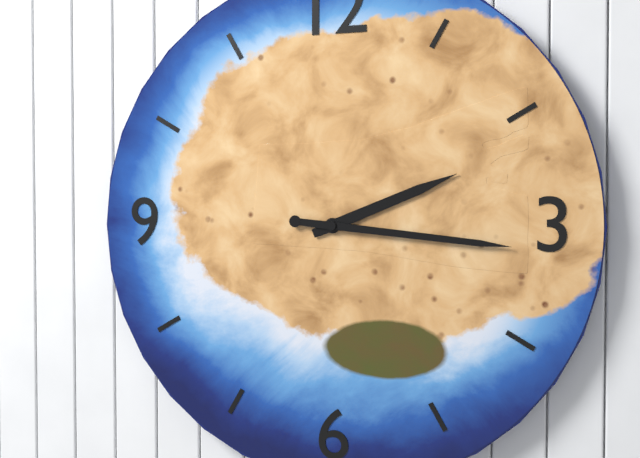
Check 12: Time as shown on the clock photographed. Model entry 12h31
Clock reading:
2h16
